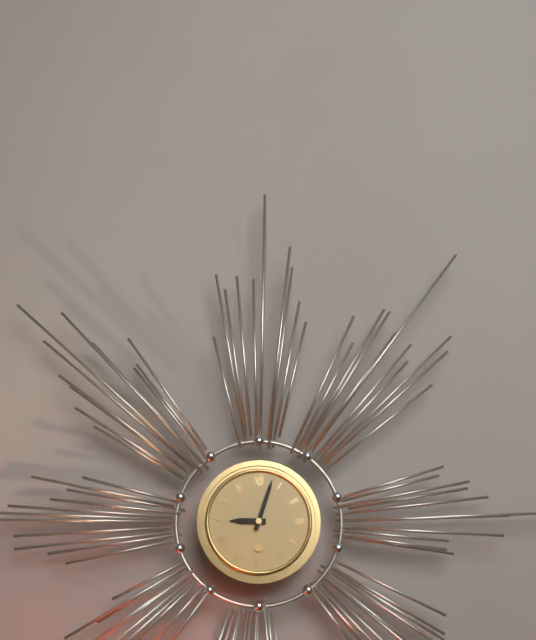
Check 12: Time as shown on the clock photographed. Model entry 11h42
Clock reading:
9h03
